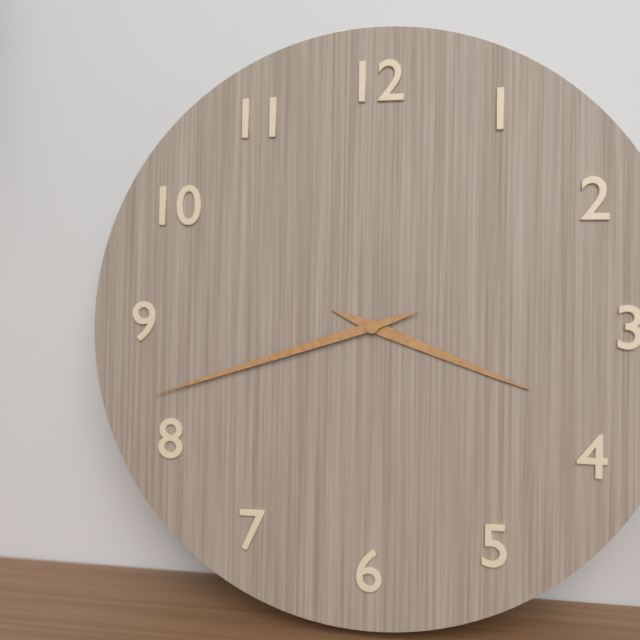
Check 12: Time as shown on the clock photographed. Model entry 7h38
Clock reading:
3h42
